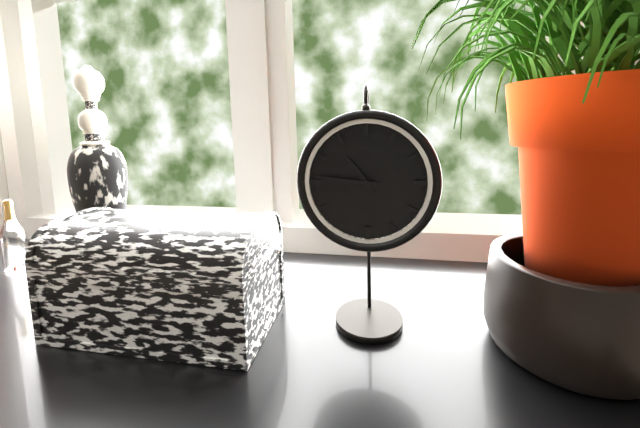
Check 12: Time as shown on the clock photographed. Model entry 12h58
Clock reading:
10h46
